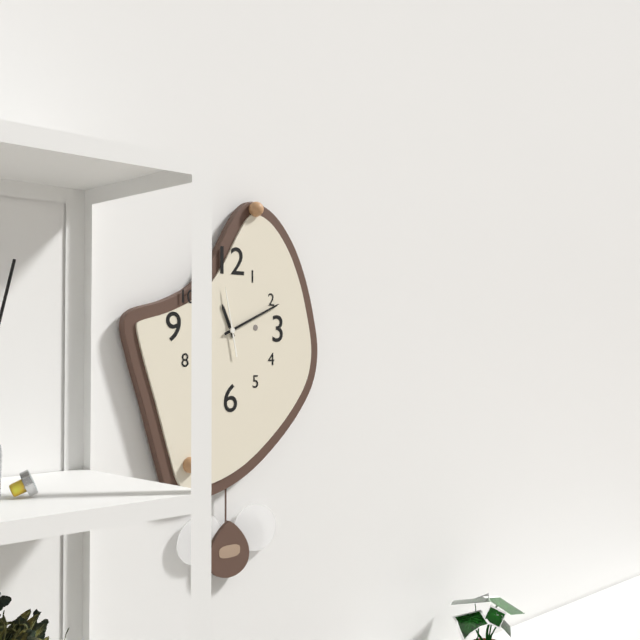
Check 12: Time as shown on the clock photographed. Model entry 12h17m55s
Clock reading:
11h11m58s
